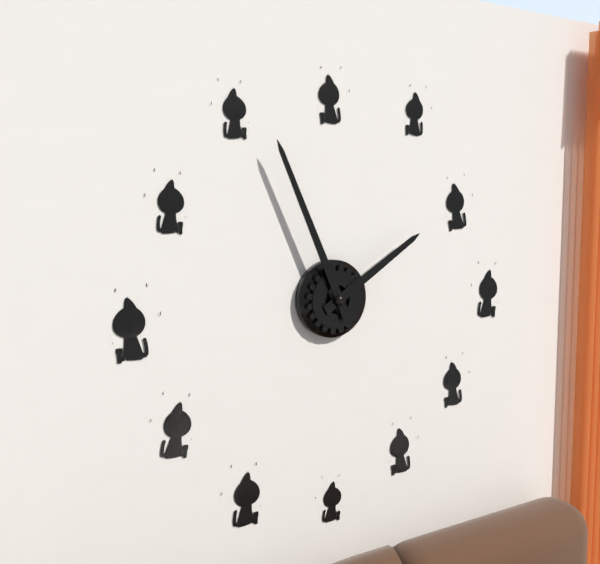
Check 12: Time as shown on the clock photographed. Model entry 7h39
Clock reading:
1h56
